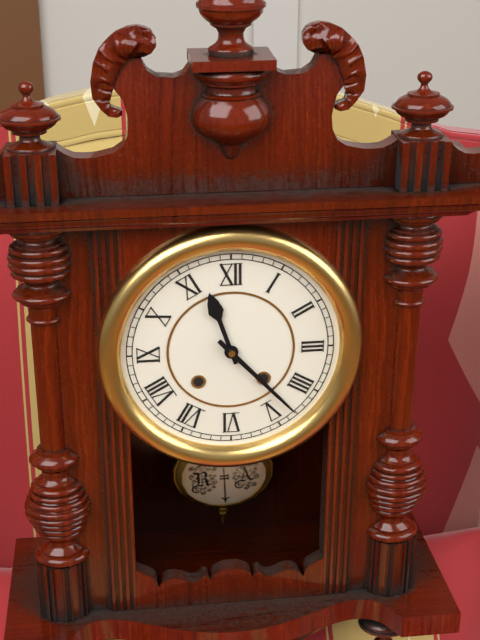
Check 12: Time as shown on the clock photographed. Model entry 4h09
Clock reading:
11h23
